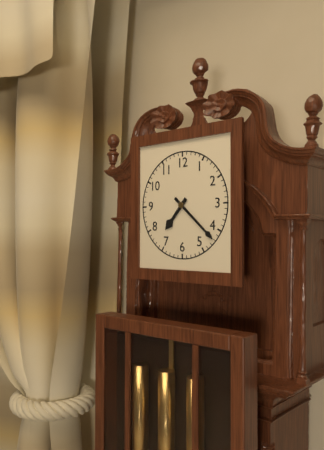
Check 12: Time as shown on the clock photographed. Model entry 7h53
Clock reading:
7h22
